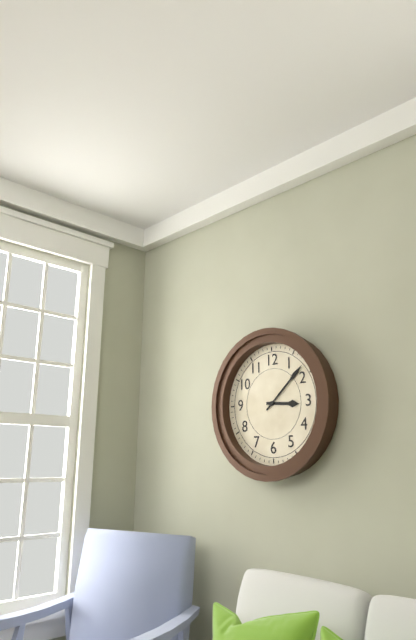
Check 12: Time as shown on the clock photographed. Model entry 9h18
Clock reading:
3h08
